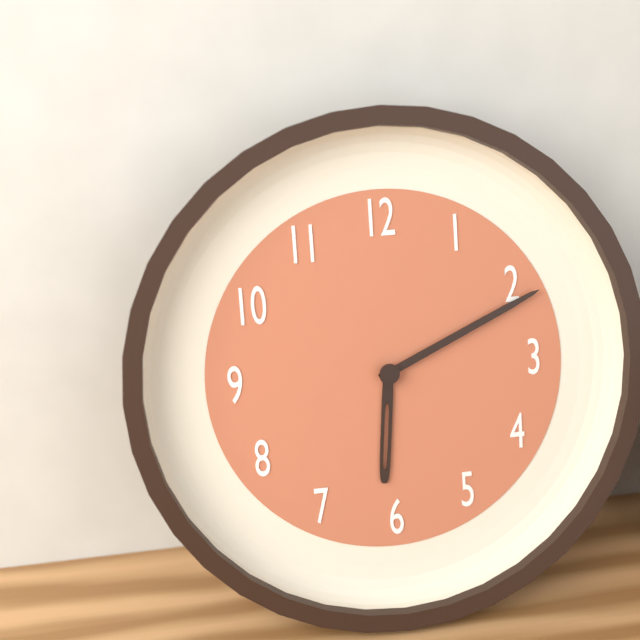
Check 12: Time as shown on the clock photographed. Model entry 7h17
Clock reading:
6h11
